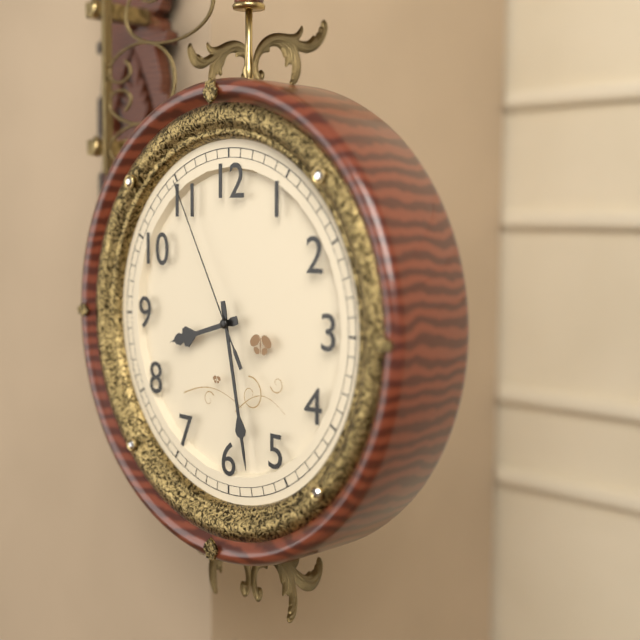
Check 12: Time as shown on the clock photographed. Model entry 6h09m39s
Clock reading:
8h28m55s
